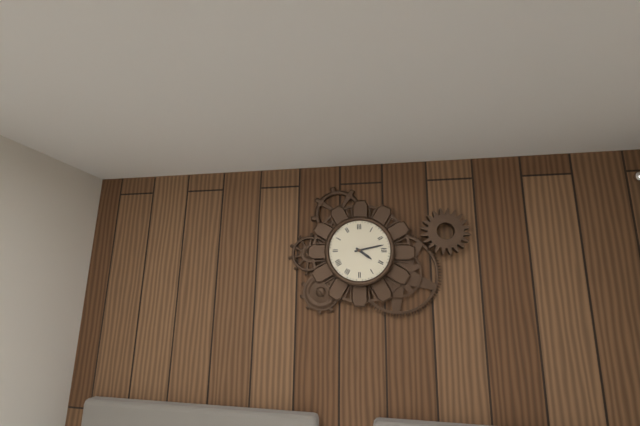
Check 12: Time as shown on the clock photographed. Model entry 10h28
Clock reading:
4h13
